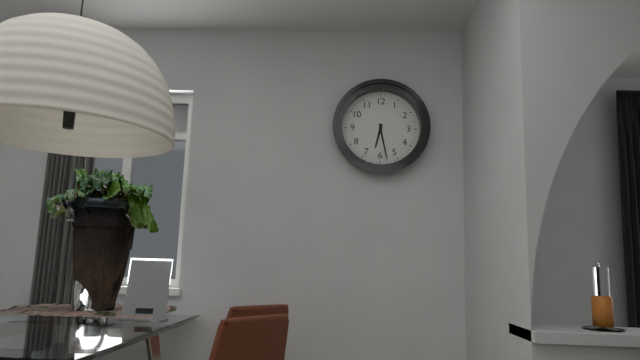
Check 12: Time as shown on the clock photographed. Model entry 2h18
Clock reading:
6h28
